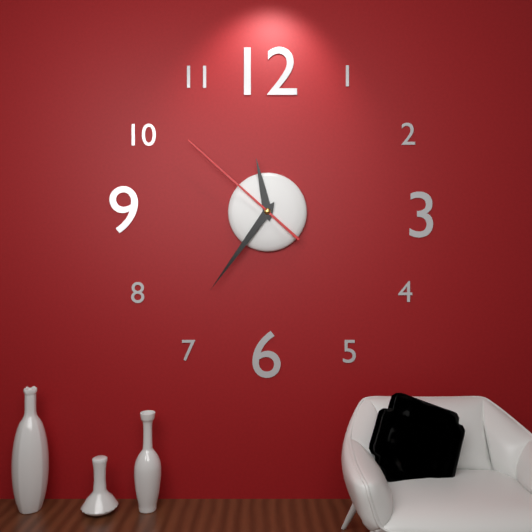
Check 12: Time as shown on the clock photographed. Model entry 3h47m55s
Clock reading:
11h36m52s
